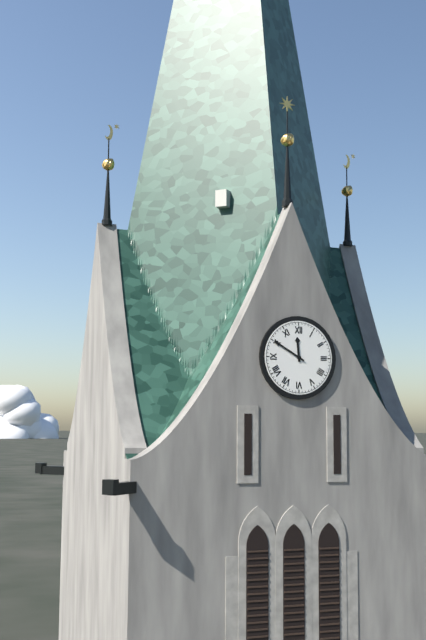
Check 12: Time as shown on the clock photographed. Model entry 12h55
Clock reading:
11h50
